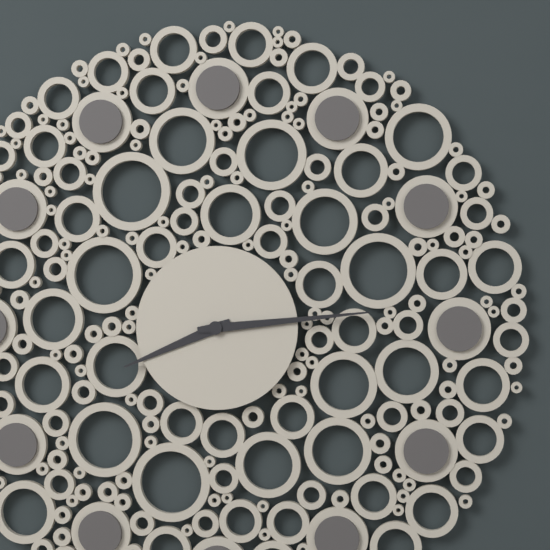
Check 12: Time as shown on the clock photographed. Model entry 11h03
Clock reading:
8h14
